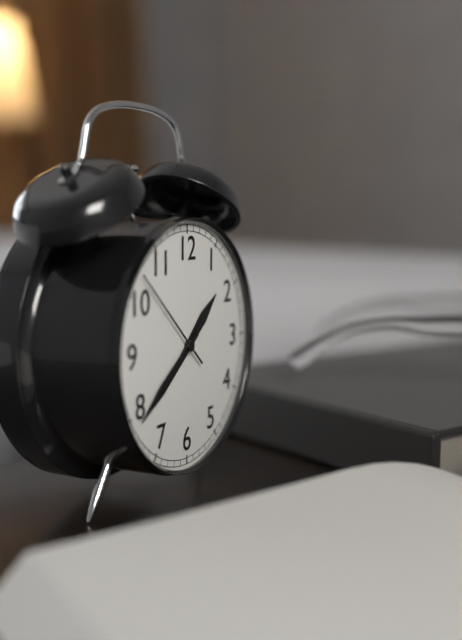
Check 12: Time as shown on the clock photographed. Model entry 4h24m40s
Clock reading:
1h39m52s
